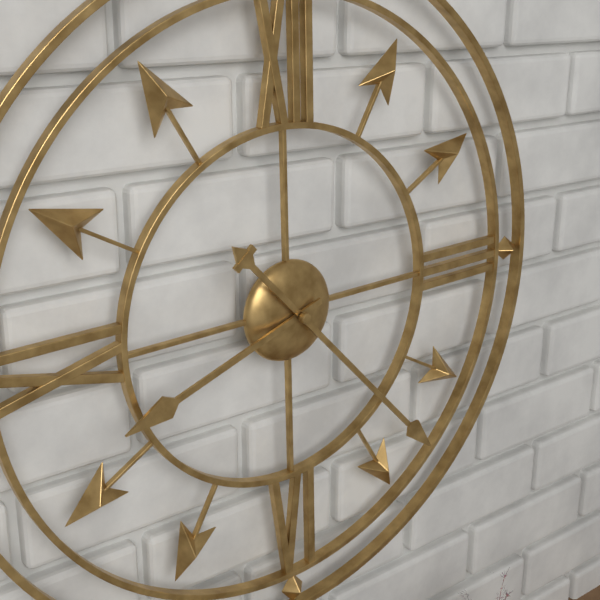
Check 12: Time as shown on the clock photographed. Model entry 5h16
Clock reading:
8h23
